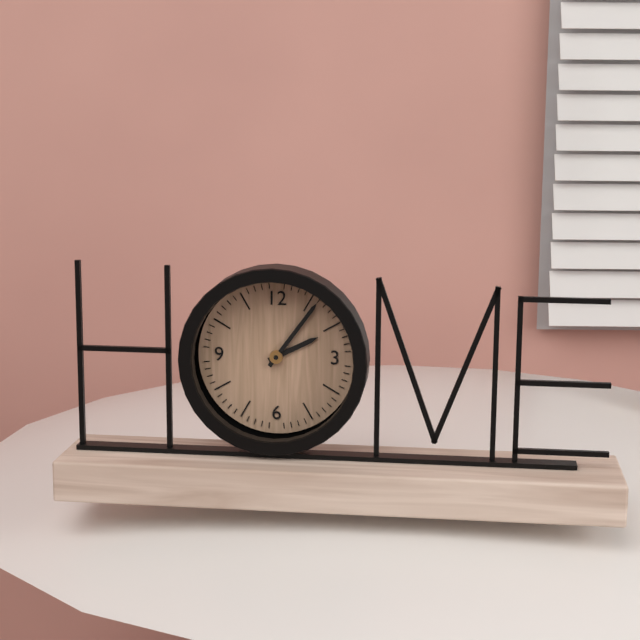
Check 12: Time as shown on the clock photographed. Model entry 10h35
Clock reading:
2h06
